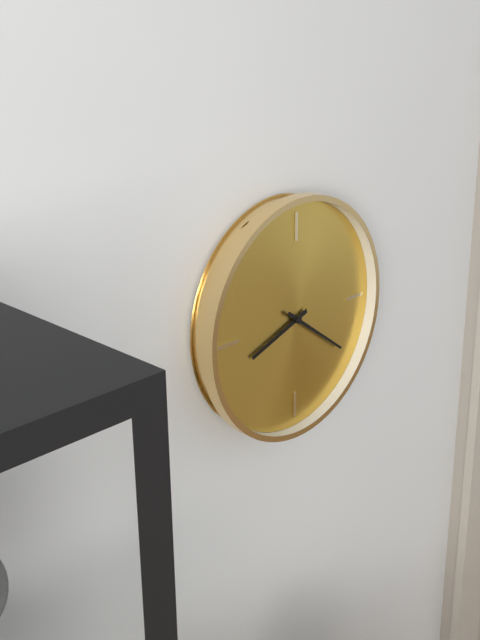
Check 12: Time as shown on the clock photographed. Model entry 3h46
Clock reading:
8h21
